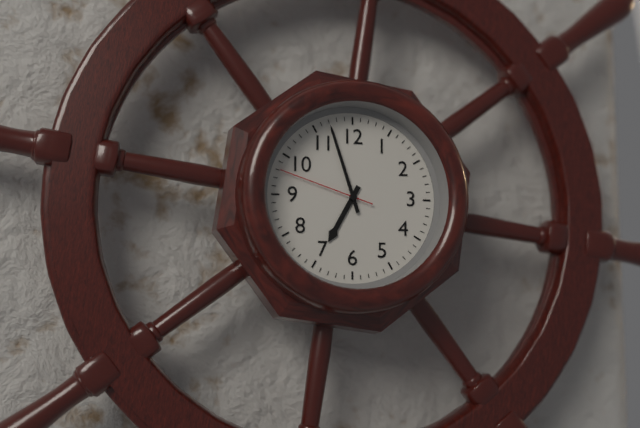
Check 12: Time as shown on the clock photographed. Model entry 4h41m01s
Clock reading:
6h57m48s
